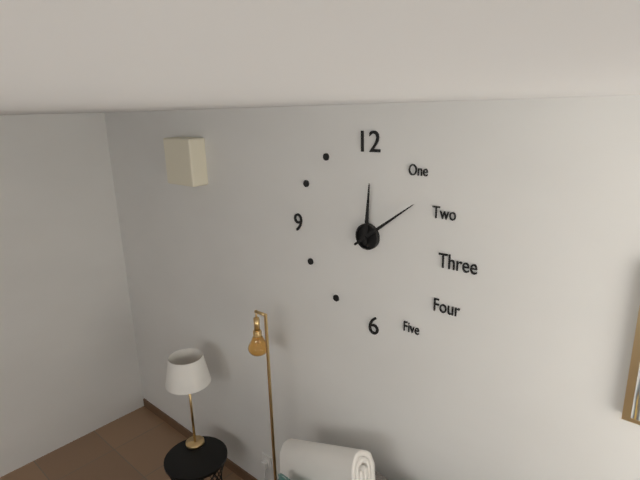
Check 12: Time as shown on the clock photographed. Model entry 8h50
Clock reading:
12h09
